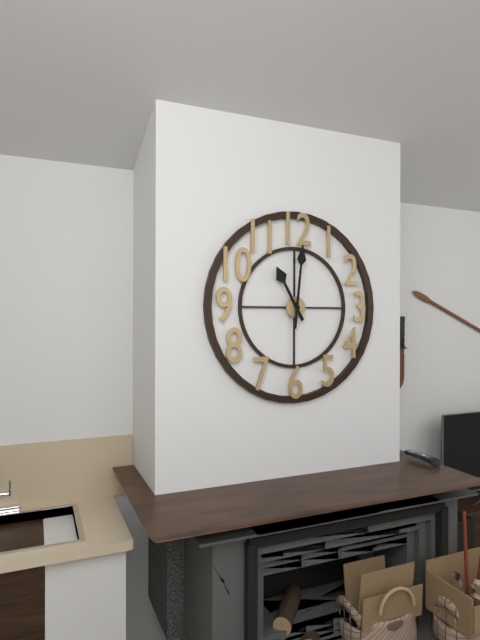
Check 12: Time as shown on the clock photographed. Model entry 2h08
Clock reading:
11h01
